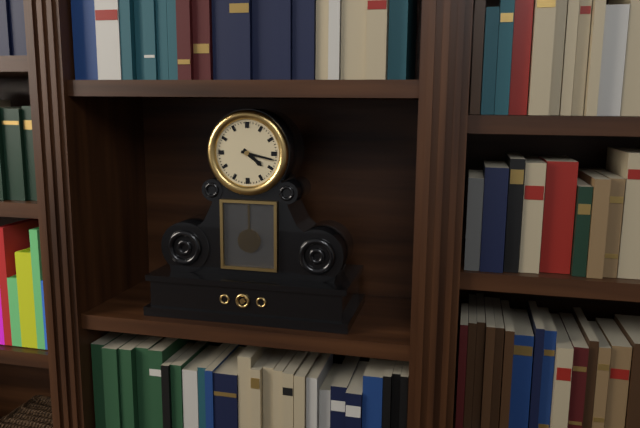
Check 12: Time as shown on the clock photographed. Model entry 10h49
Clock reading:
4h17
